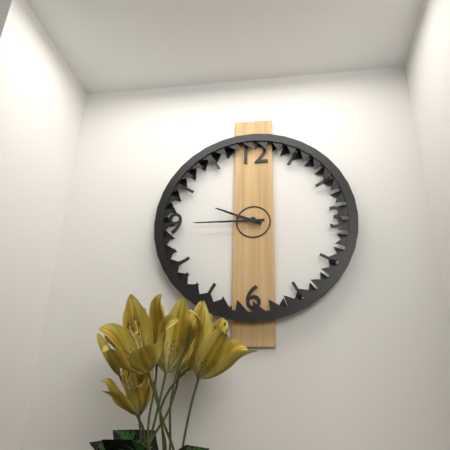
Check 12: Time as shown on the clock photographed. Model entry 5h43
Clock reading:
9h45
